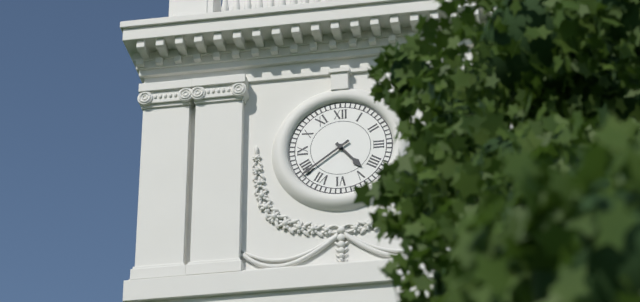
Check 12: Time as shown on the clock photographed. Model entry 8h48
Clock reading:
4h39
